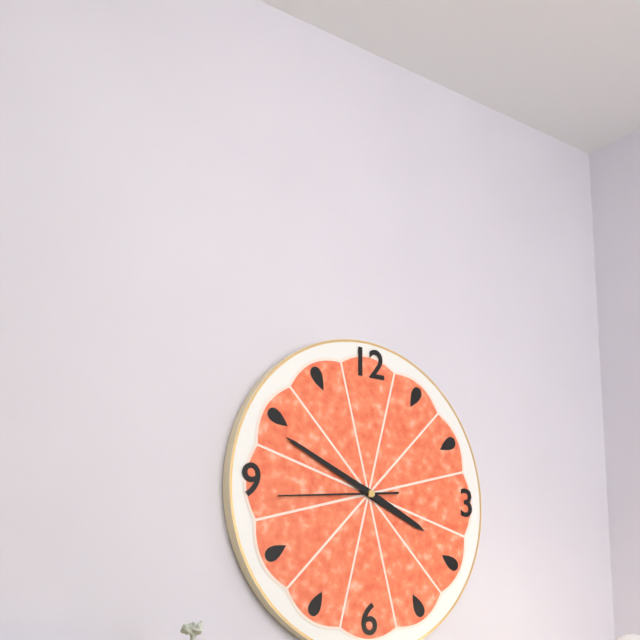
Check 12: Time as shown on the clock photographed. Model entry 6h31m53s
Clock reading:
3h49m44s
